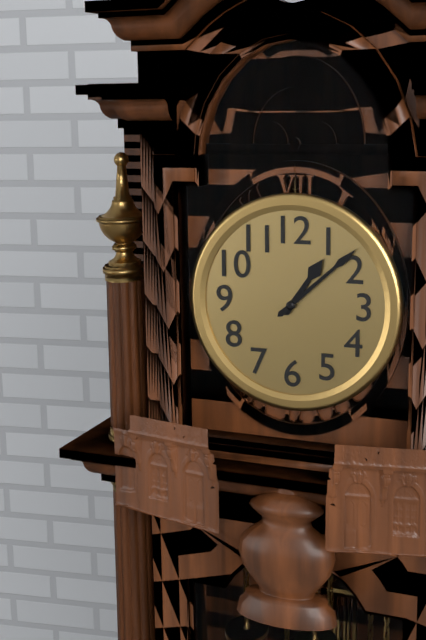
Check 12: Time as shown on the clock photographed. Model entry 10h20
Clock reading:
1h08
